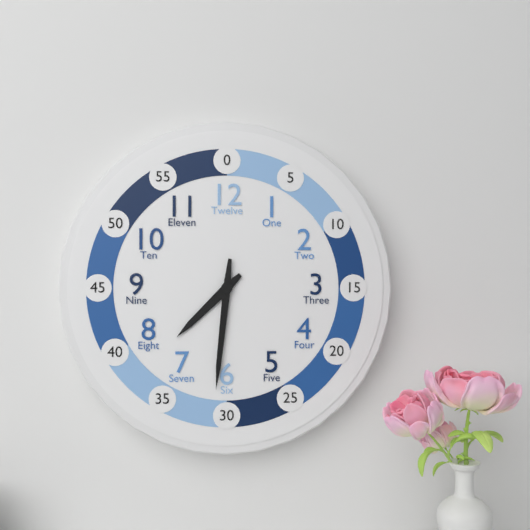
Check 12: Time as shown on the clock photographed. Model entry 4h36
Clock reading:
7h31
